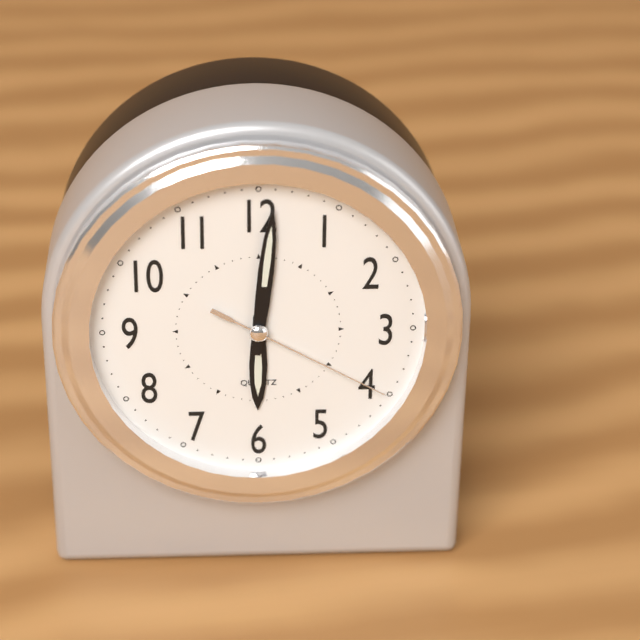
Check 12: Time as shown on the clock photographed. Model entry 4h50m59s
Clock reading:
6h01m20s
